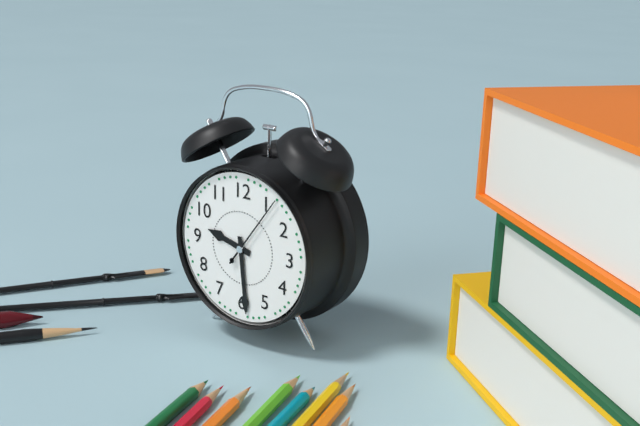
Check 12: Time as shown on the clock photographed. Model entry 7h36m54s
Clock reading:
9h29m06s
